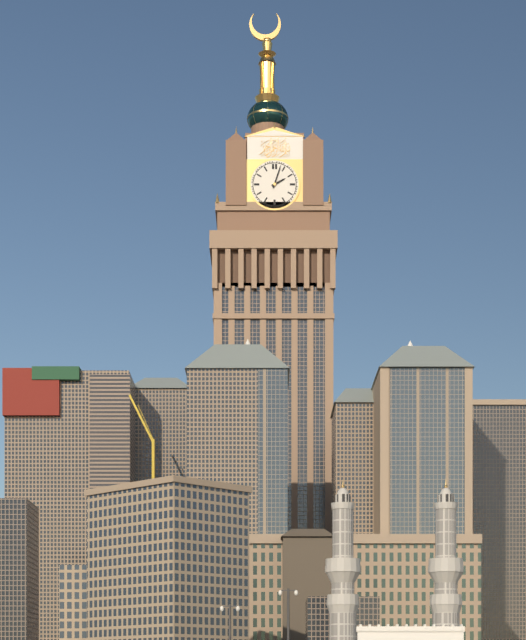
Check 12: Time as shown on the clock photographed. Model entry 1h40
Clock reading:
2h03
